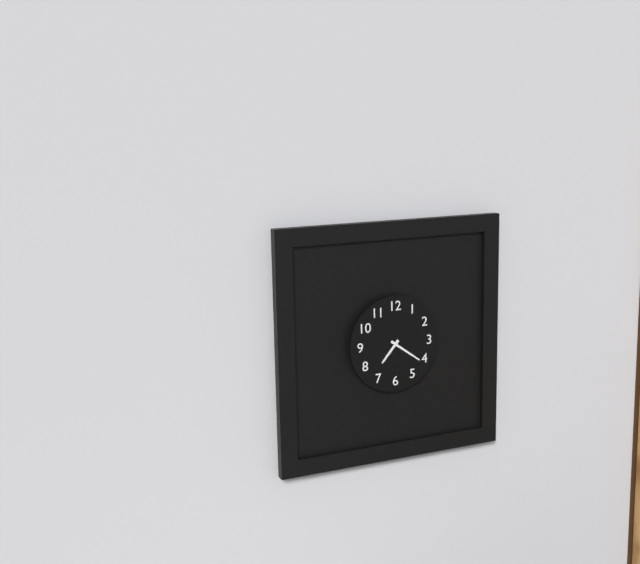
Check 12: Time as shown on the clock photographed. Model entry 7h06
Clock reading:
7h21
